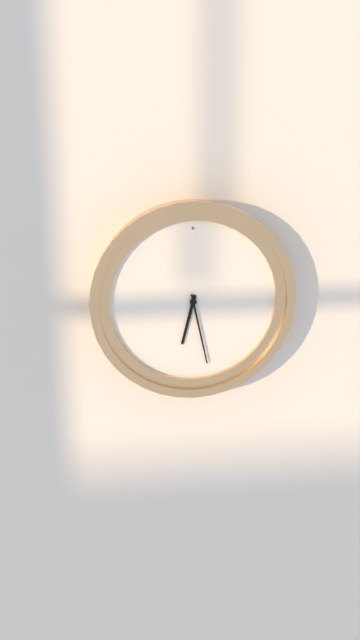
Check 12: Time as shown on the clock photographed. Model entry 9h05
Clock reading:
6h28
